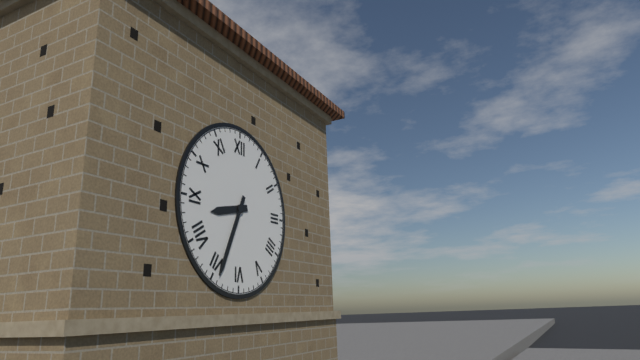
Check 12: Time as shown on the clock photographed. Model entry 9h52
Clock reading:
8h34
